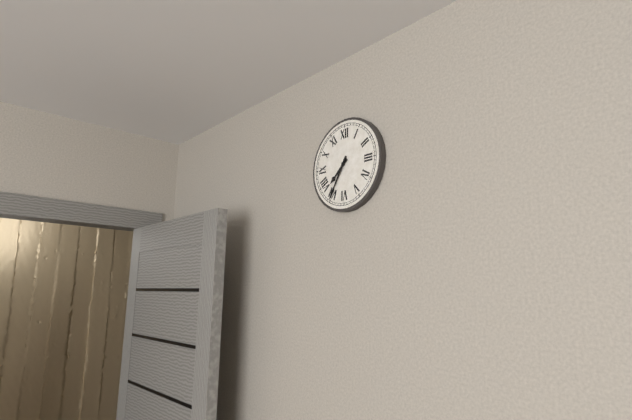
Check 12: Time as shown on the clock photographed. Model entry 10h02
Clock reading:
7h35
